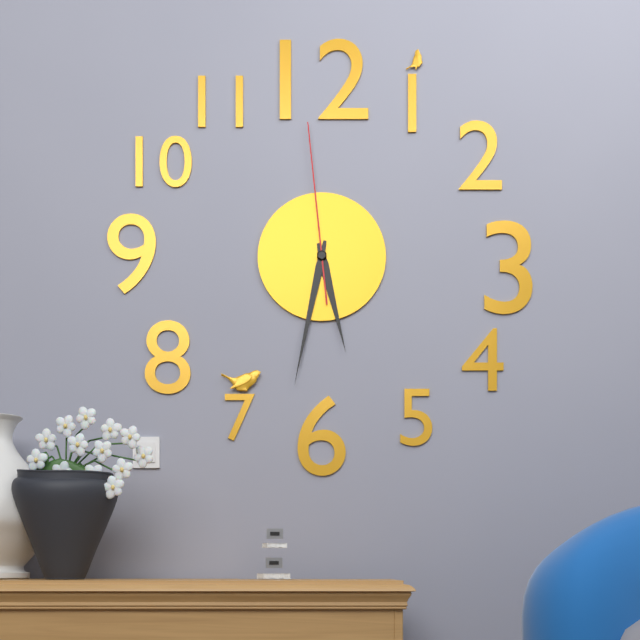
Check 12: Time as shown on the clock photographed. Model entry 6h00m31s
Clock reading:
5h32m59s
